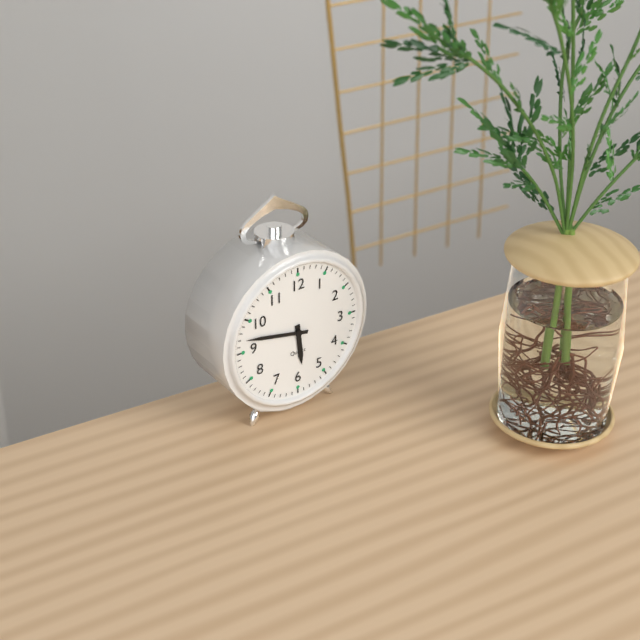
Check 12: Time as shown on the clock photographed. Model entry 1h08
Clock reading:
5h47
